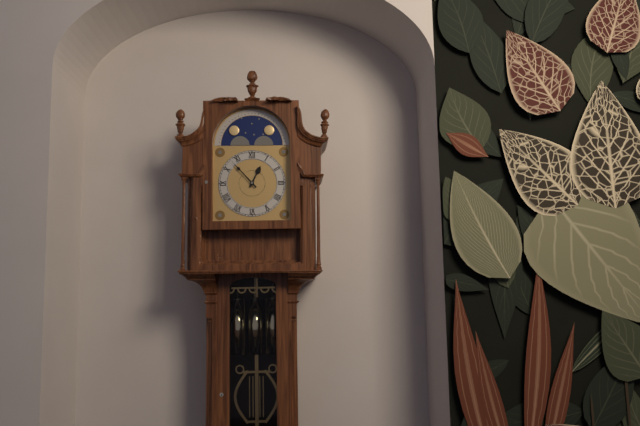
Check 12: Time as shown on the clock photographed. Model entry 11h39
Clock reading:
12h53
